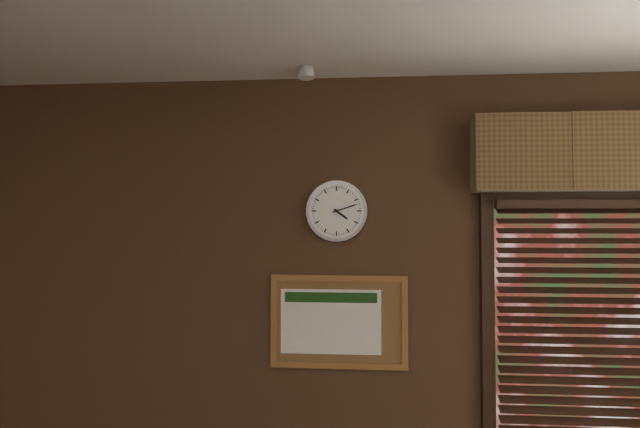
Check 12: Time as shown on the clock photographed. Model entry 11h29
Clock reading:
4h12
